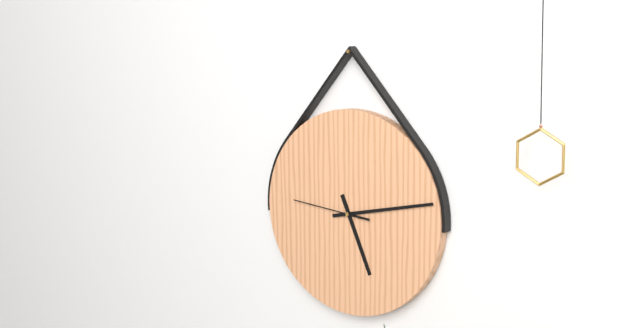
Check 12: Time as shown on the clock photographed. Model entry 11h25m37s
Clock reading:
5h13m46s
